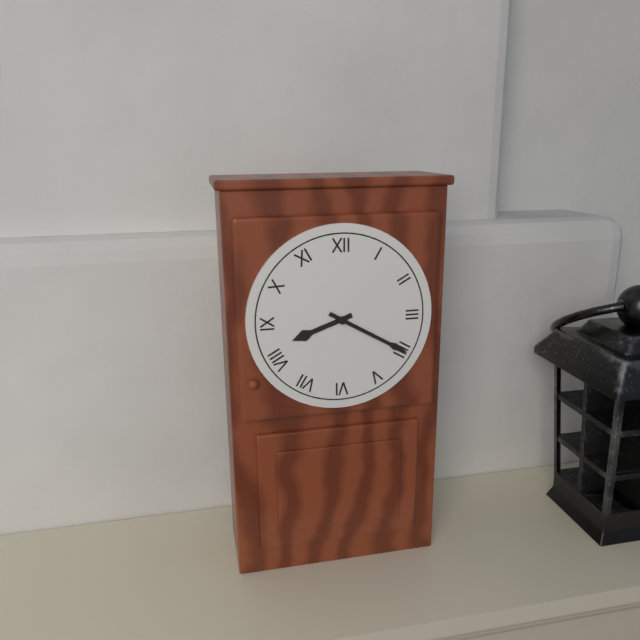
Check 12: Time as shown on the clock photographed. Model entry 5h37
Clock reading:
8h20
